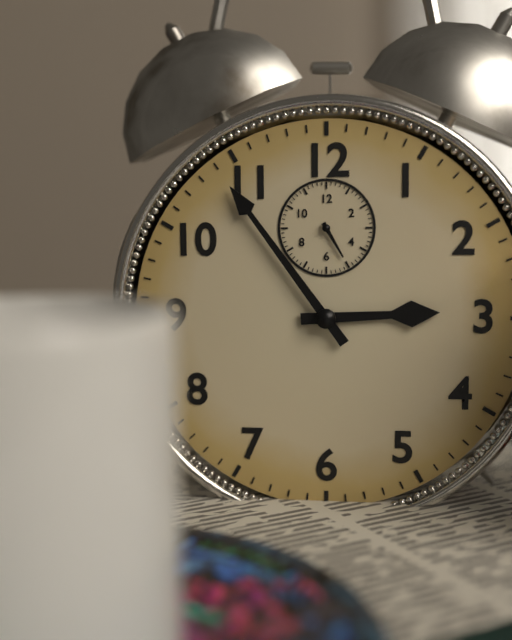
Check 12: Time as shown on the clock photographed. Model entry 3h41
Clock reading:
2h54
